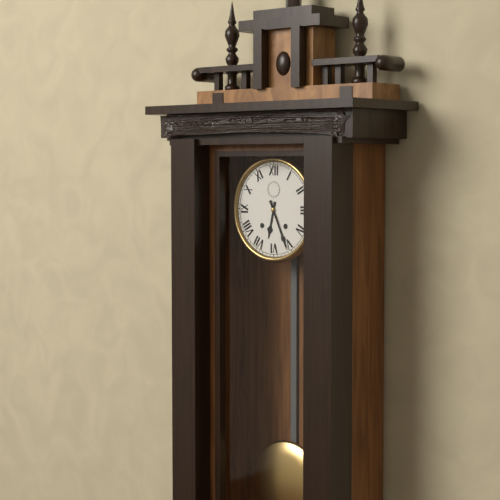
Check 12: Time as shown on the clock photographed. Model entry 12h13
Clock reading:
6h26
